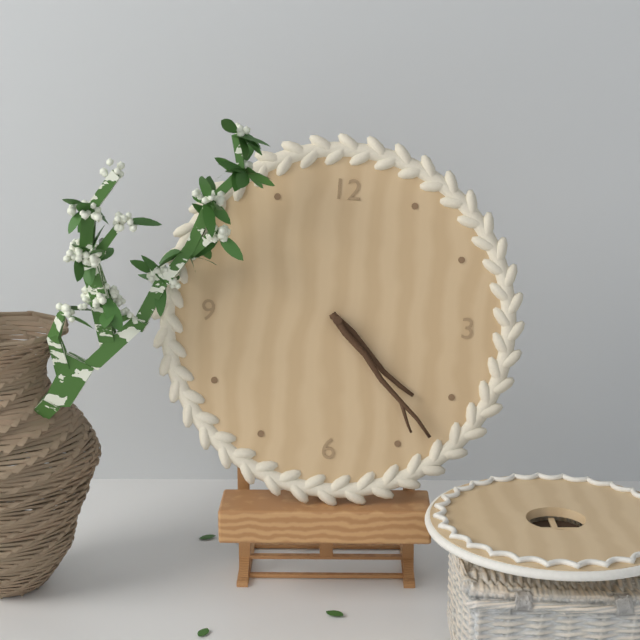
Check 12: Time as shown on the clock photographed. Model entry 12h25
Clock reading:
4h23
